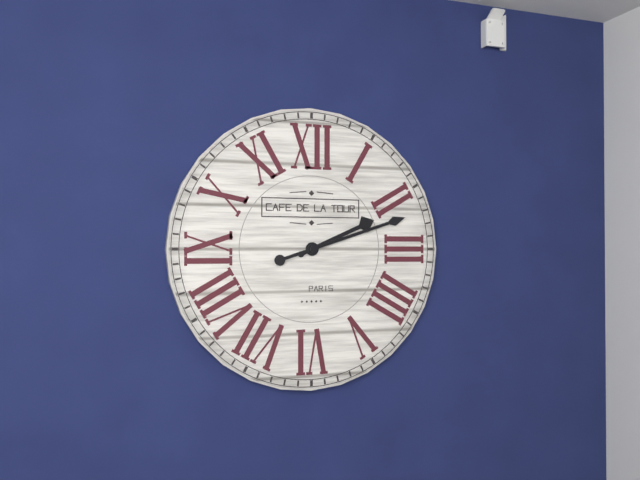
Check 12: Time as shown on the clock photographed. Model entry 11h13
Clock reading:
2h12
